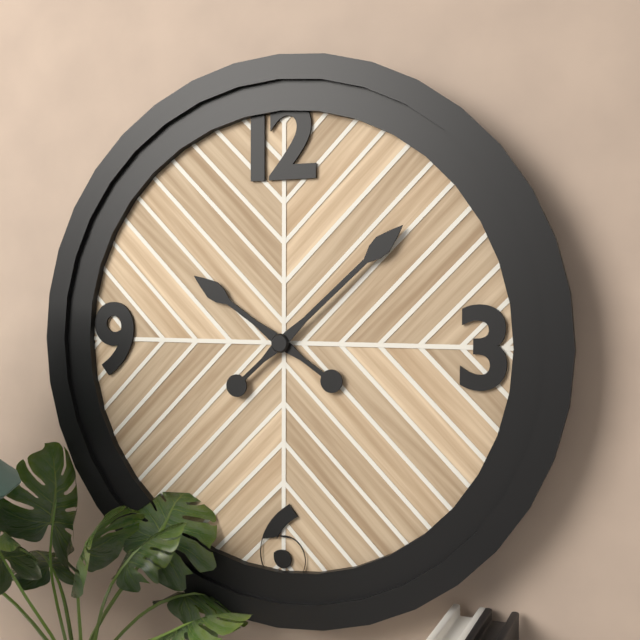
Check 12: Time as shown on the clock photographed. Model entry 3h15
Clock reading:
10h08
